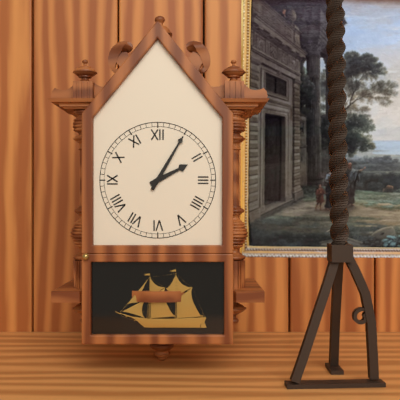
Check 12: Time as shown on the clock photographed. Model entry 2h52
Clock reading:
2h05
